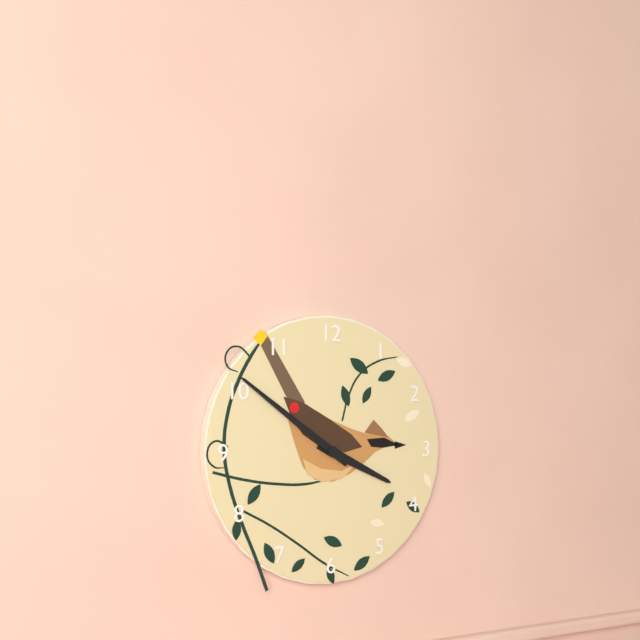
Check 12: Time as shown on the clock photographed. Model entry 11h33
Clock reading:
3h51
